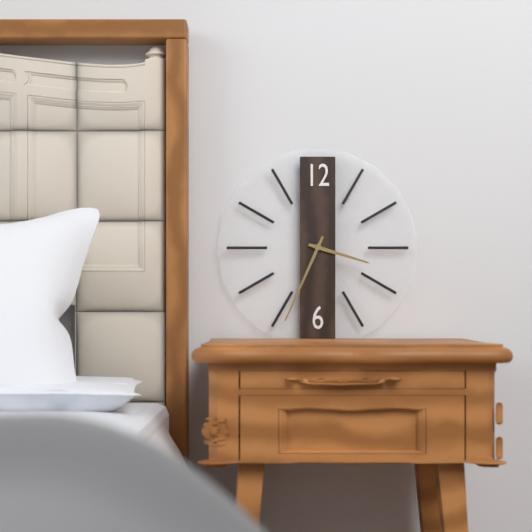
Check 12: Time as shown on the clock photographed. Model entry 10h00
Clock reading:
3h34
